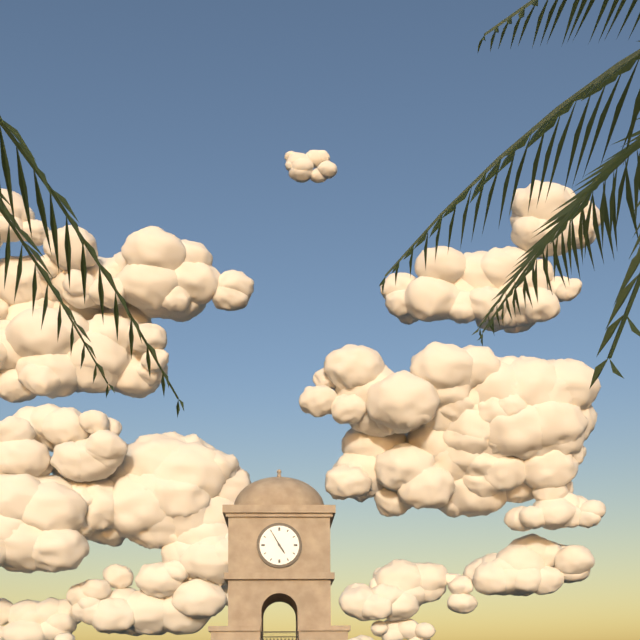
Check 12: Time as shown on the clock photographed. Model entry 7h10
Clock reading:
4h55
